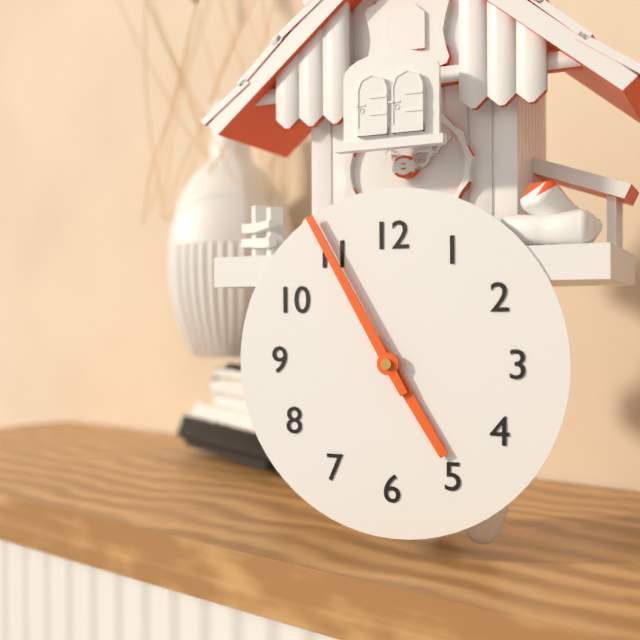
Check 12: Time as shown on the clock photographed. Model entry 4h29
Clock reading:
4h55
